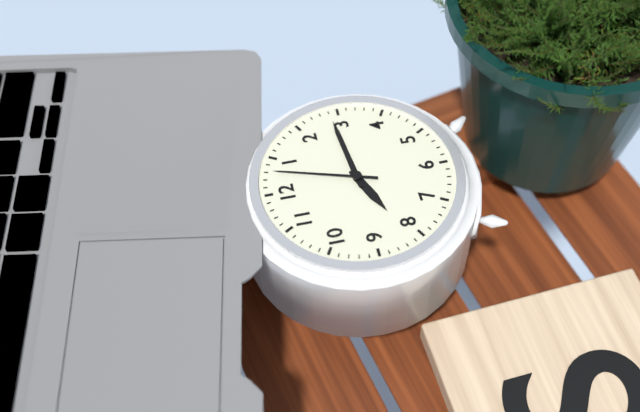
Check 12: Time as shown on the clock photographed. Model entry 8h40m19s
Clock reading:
8h14m03s
